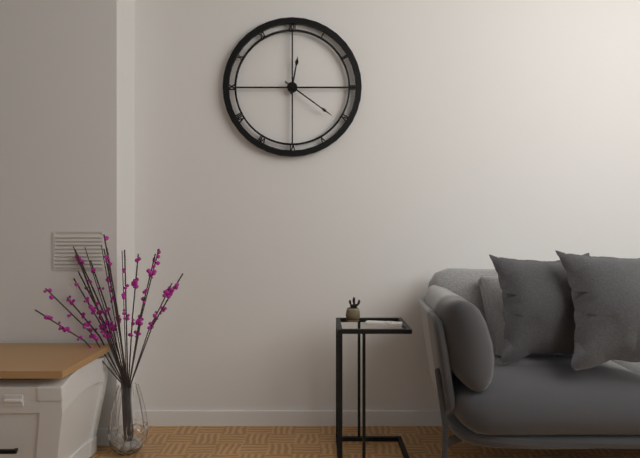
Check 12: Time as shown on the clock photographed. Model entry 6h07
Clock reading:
12h21
